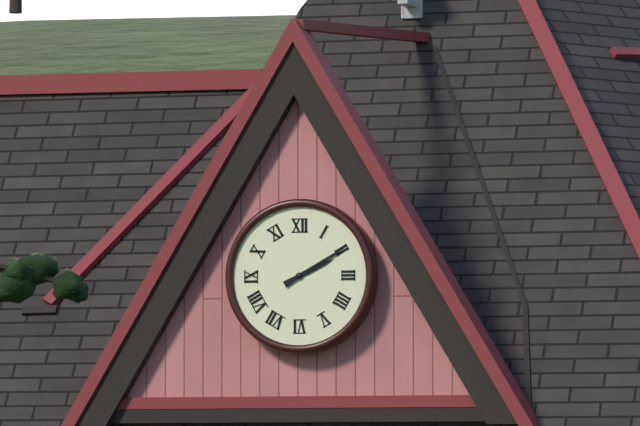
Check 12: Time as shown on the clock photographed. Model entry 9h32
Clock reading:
2h10
